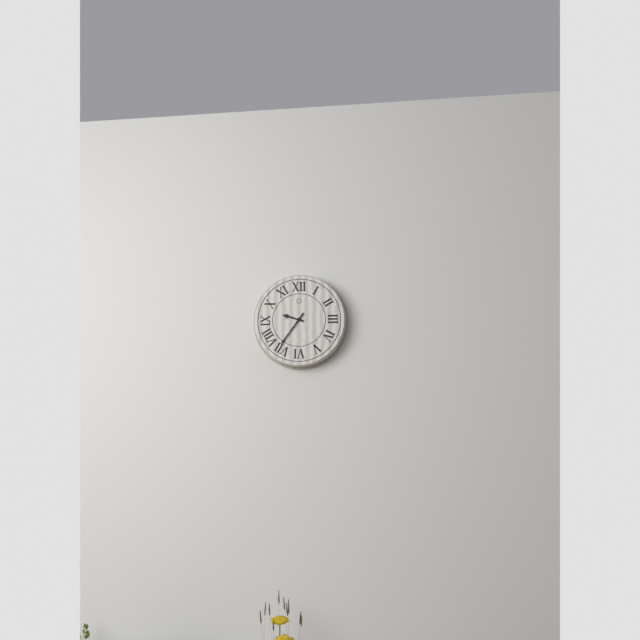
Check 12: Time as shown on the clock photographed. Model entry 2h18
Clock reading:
9h36
